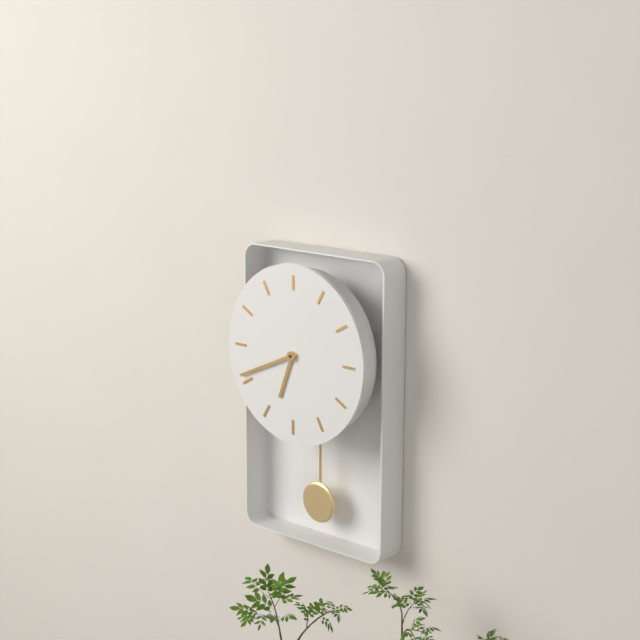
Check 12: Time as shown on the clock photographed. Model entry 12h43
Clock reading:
6h41
